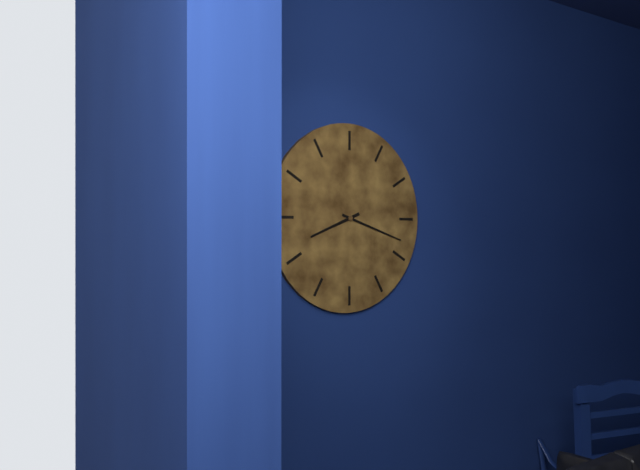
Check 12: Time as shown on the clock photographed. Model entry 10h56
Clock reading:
8h18
